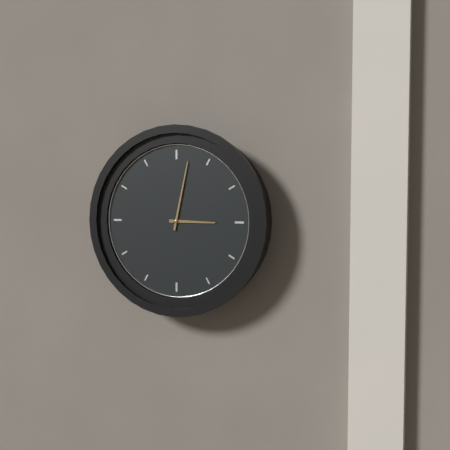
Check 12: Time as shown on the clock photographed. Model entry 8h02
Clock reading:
3h02
